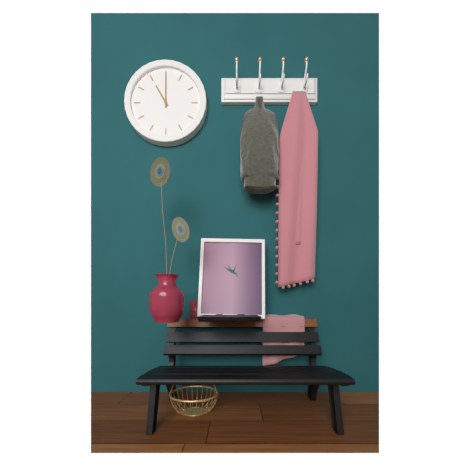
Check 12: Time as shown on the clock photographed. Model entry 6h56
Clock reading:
11h00
